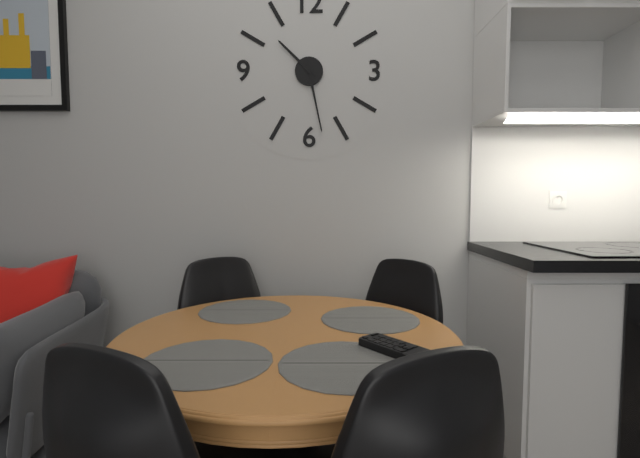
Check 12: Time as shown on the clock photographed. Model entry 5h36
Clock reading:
10h28
